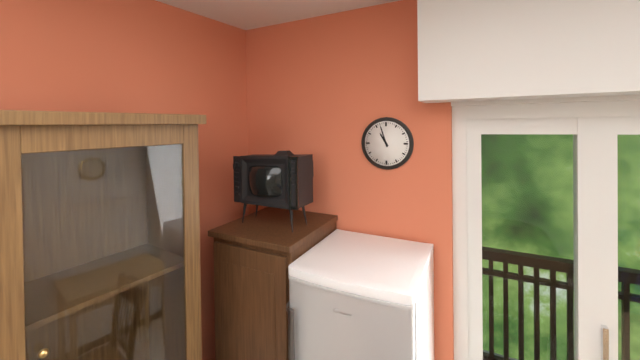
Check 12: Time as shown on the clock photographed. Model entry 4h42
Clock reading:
10h57
